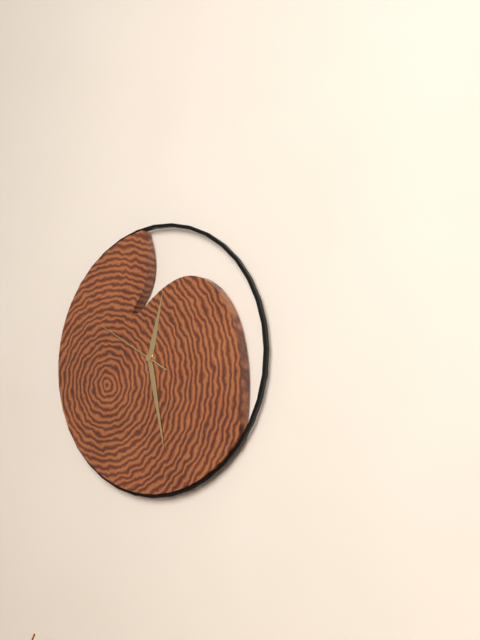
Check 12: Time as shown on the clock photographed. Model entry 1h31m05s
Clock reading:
12h28m50s
